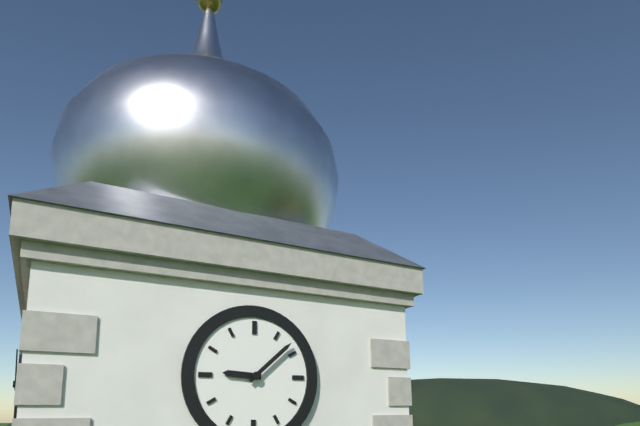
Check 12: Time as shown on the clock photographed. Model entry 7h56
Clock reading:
9h08
